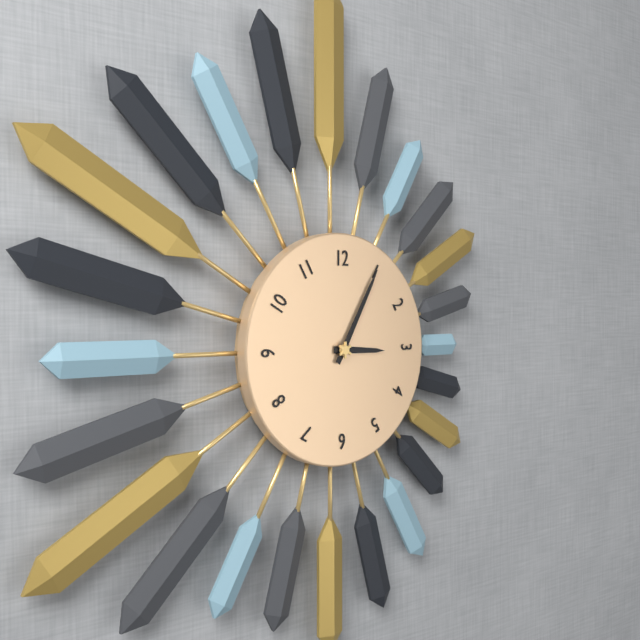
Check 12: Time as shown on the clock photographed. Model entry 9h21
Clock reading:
3h05
